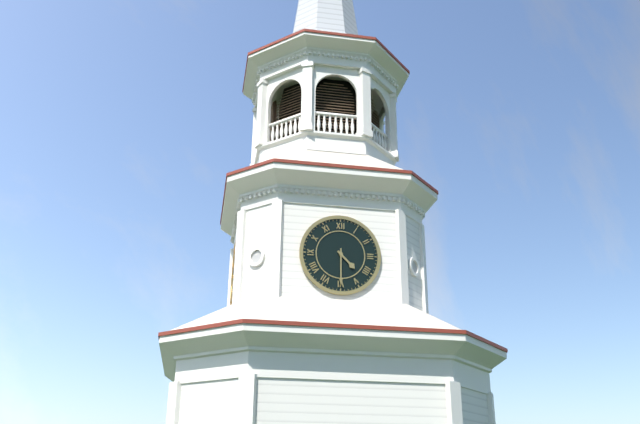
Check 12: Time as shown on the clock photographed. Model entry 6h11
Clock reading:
4h30
